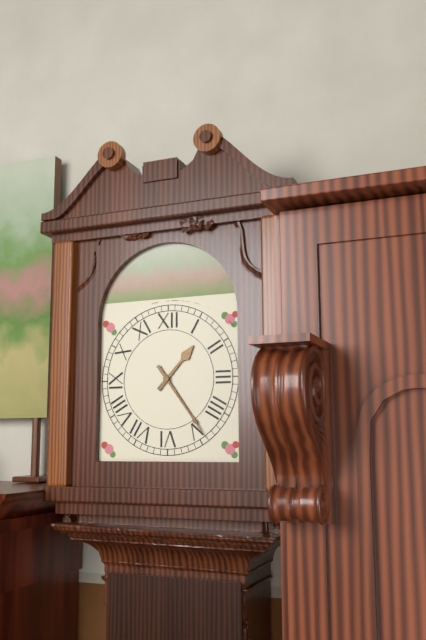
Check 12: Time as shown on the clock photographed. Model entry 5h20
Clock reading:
1h24
